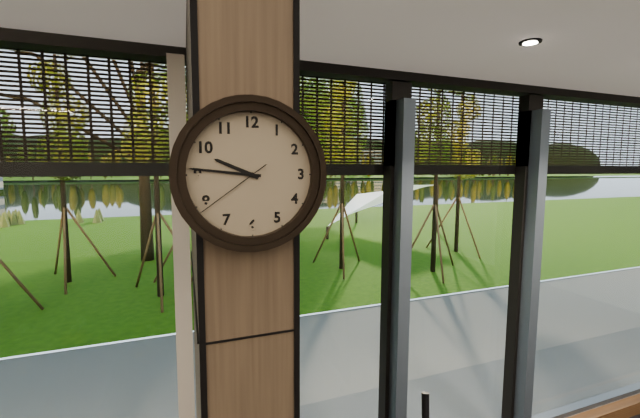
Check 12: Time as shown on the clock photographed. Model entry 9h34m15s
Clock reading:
9h46m39s
